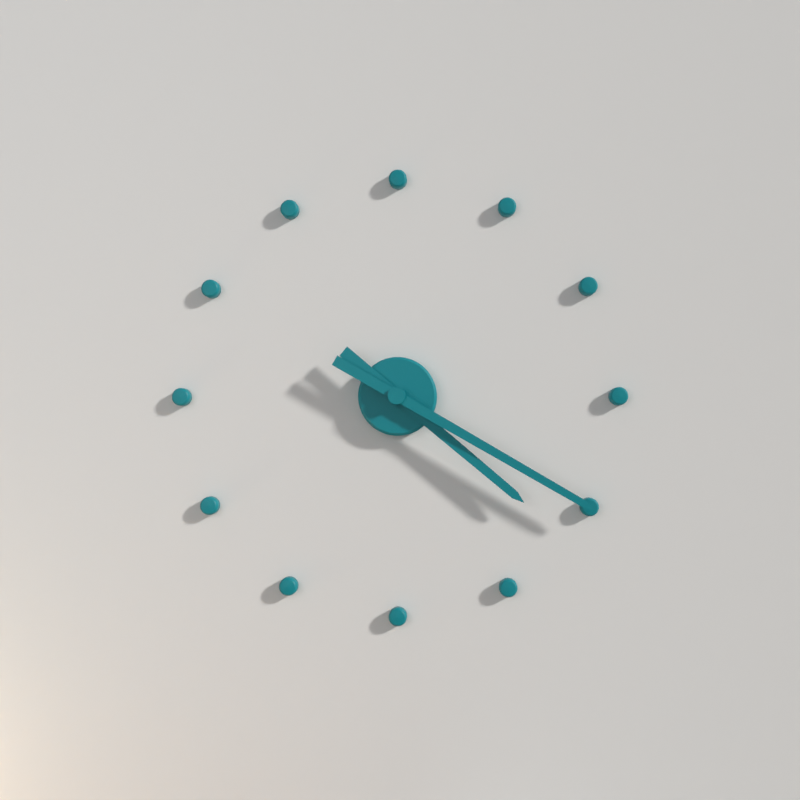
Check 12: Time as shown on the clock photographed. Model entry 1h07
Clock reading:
4h20
